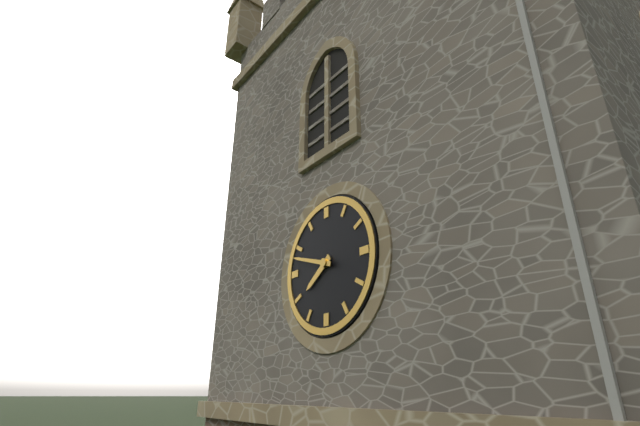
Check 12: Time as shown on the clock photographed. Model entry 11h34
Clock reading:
7h48
